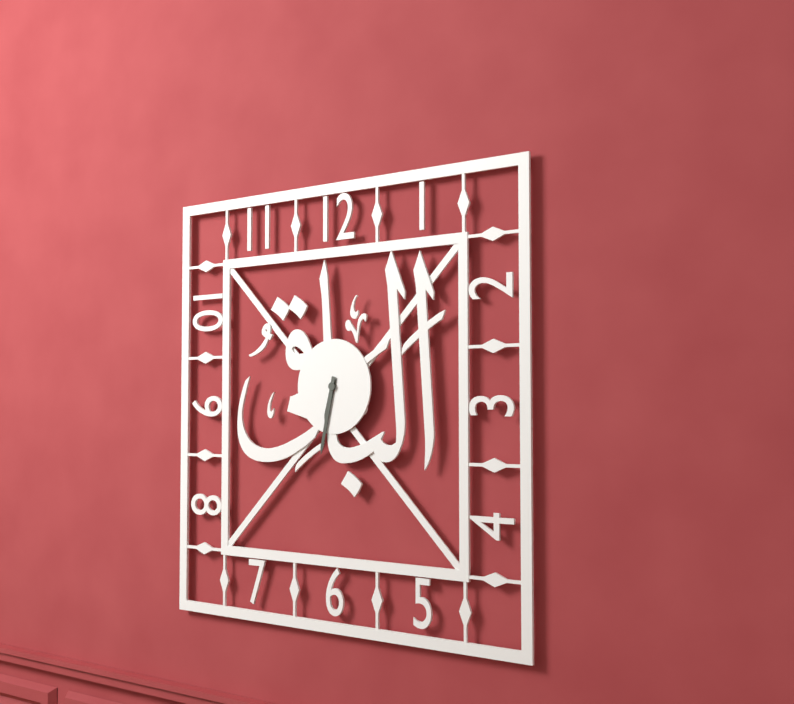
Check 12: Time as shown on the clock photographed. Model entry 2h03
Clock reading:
6h32
